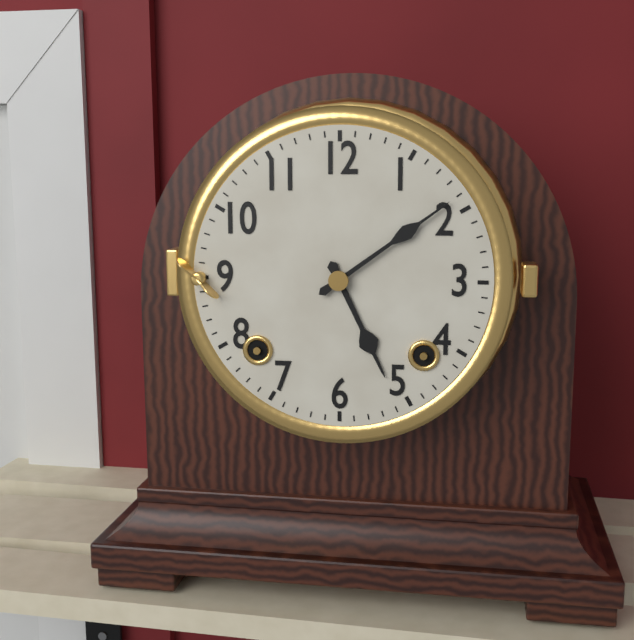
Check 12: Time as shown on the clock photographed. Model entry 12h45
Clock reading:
5h09
